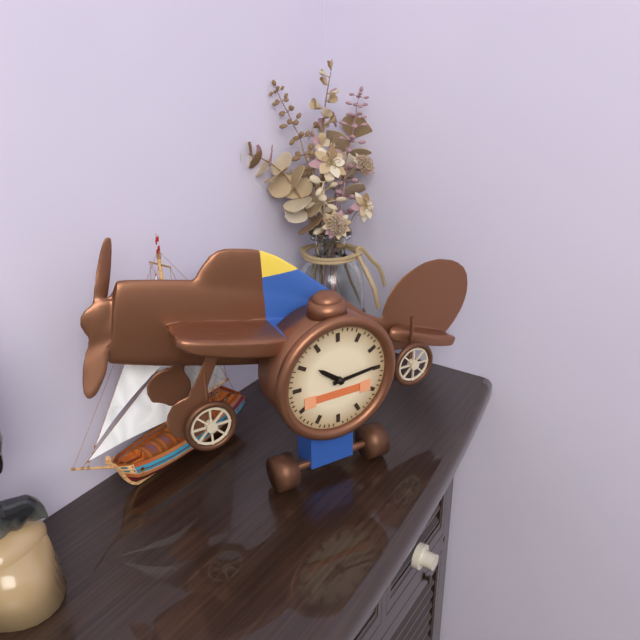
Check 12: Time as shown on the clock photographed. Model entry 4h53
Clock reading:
10h14
